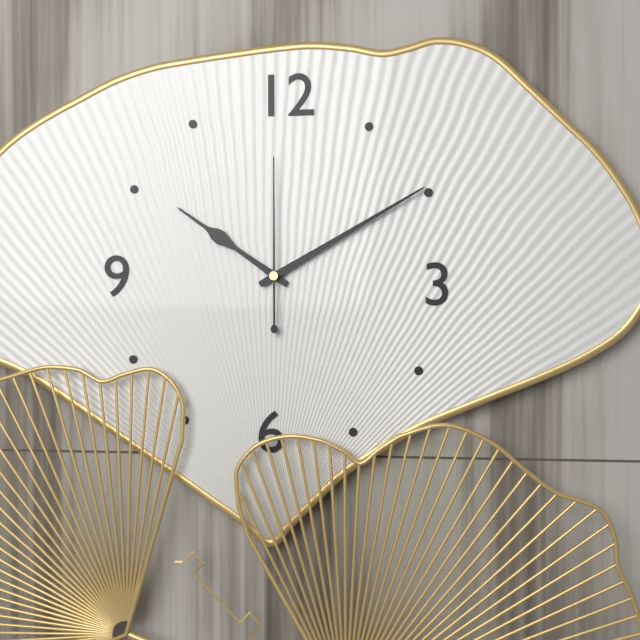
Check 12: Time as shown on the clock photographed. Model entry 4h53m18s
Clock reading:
10h10m00s
